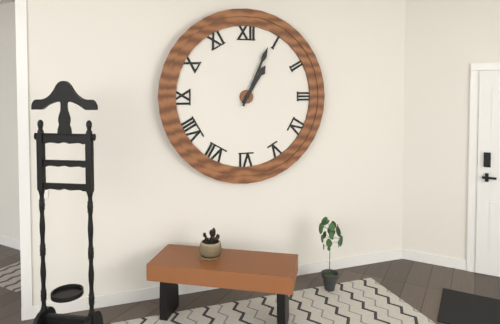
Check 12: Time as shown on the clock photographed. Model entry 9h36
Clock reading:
1h04
